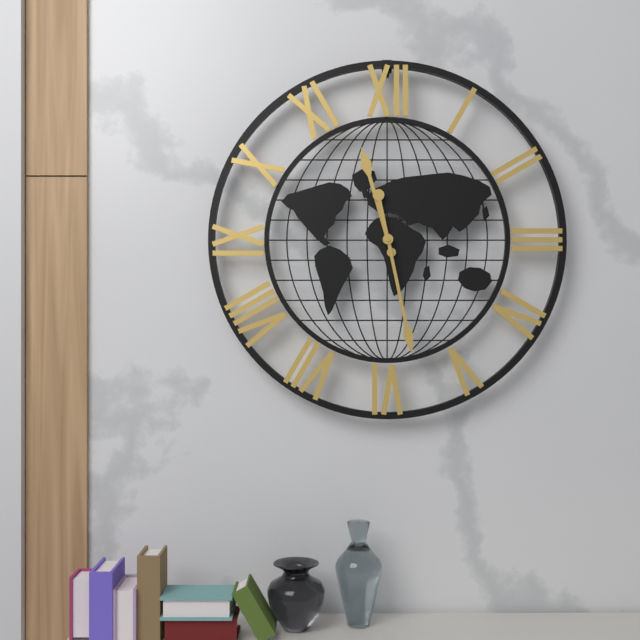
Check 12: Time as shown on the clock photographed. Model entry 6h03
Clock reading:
11h28
